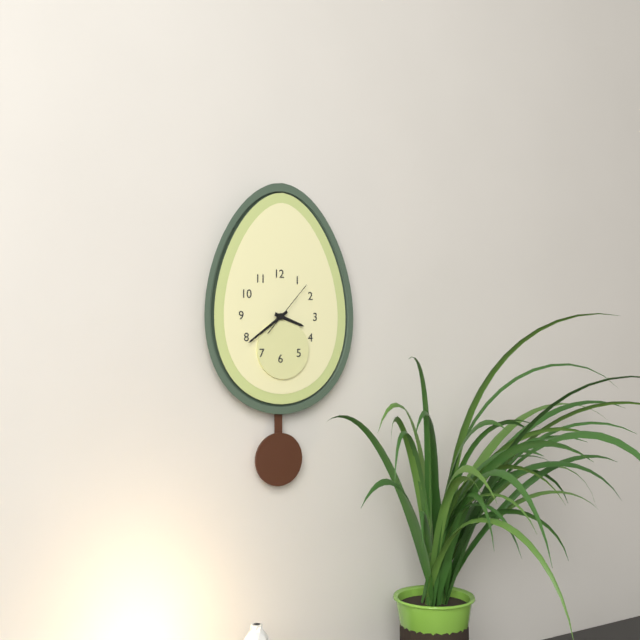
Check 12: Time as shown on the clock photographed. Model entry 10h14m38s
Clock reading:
3h39m07s
